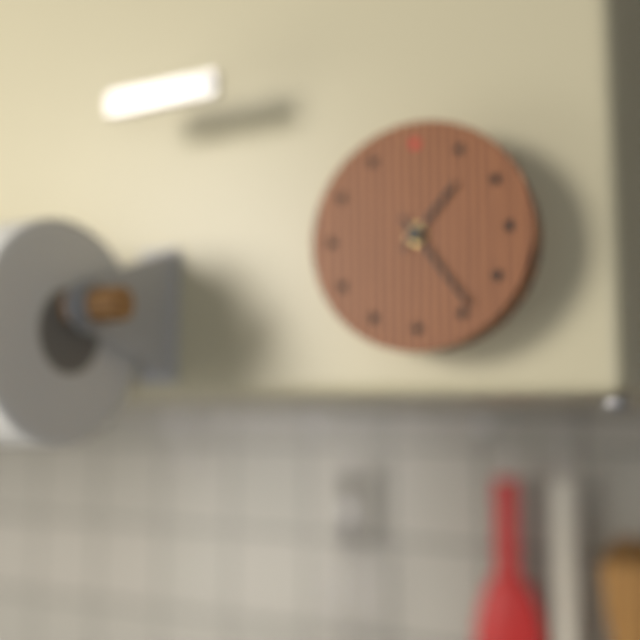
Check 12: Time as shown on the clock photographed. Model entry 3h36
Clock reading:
1h24
